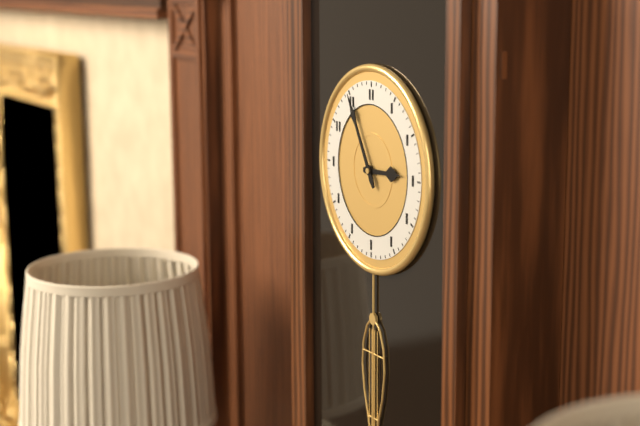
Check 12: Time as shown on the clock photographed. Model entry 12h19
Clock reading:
2h55
